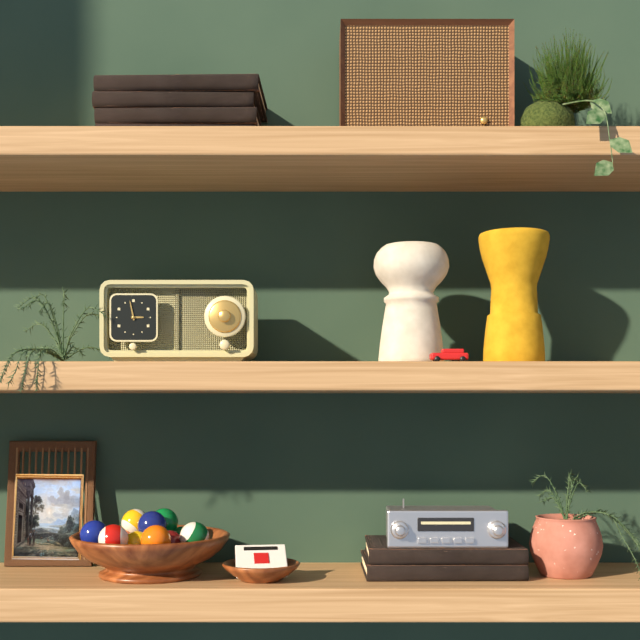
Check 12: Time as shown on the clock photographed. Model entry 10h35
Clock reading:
2h58
